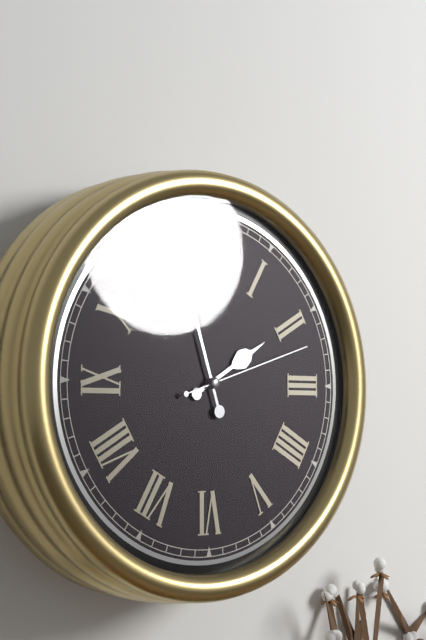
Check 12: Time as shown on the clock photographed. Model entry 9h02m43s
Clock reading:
1h57m12s
